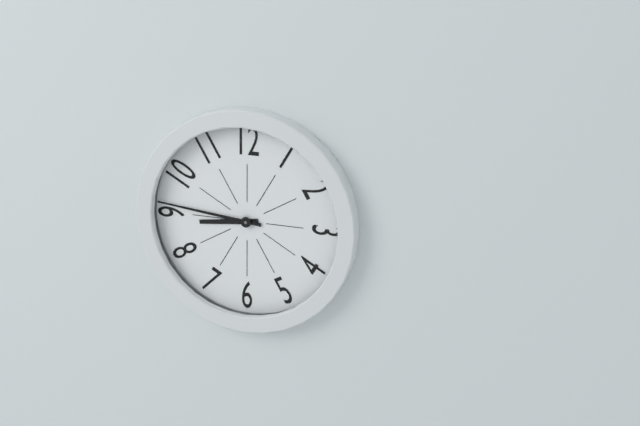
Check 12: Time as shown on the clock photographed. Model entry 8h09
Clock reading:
8h46
